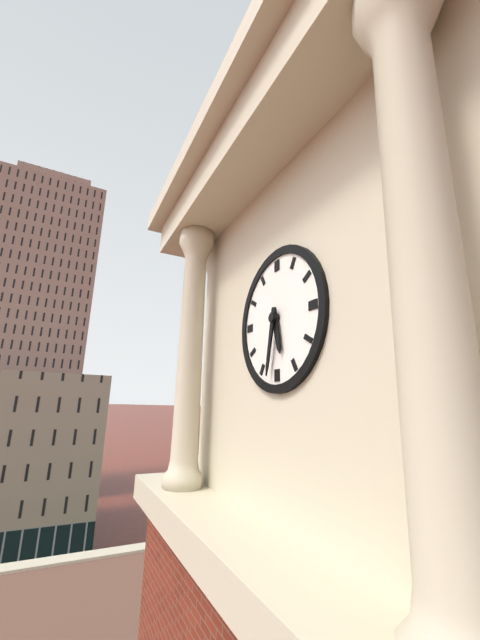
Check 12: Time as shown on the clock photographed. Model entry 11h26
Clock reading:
5h32
